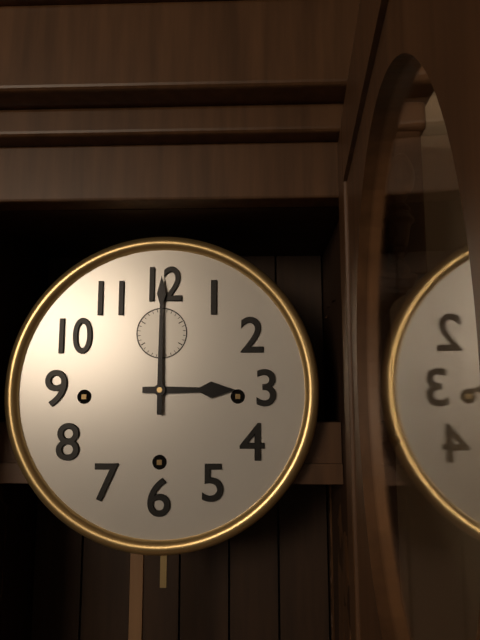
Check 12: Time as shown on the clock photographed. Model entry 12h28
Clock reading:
3h00
